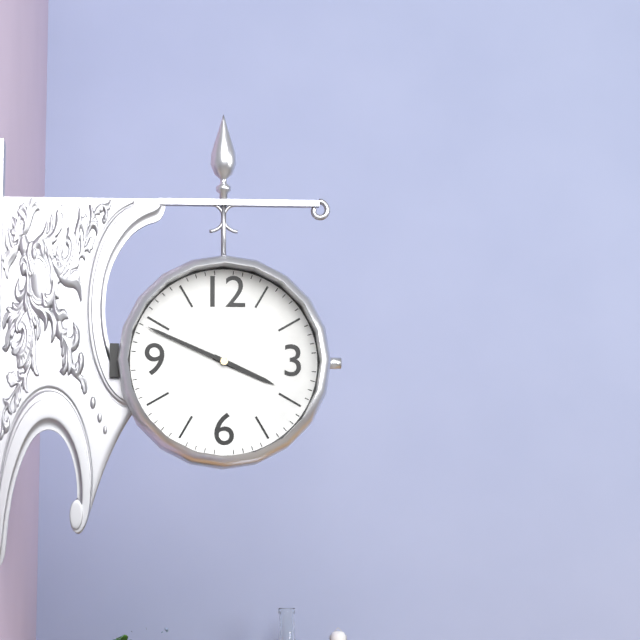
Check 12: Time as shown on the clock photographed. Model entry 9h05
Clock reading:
3h49
